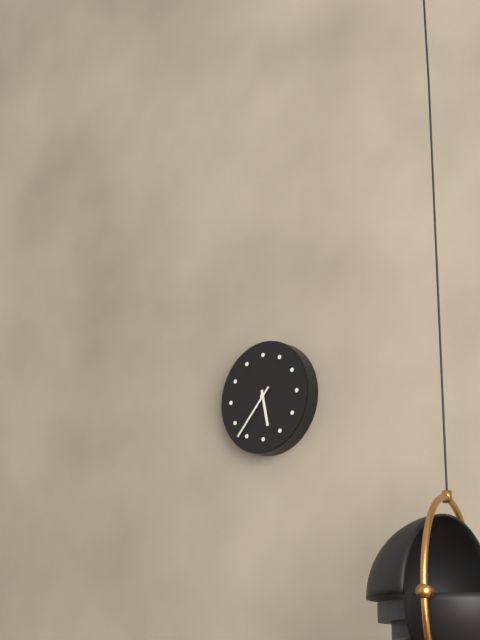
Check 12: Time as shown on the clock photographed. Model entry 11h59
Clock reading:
5h37
